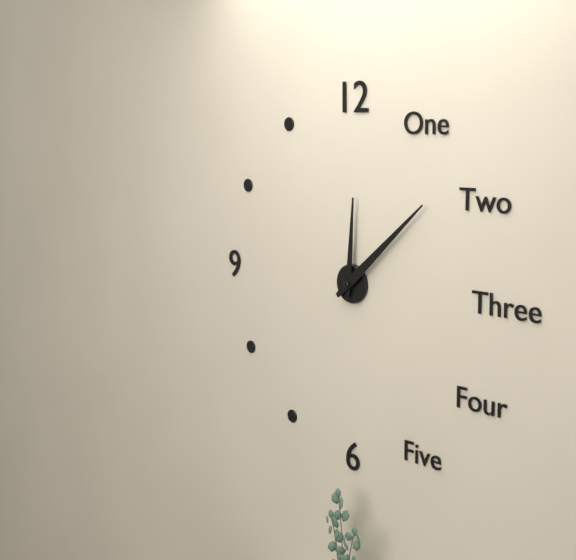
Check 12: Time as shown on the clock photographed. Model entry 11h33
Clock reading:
12h08
